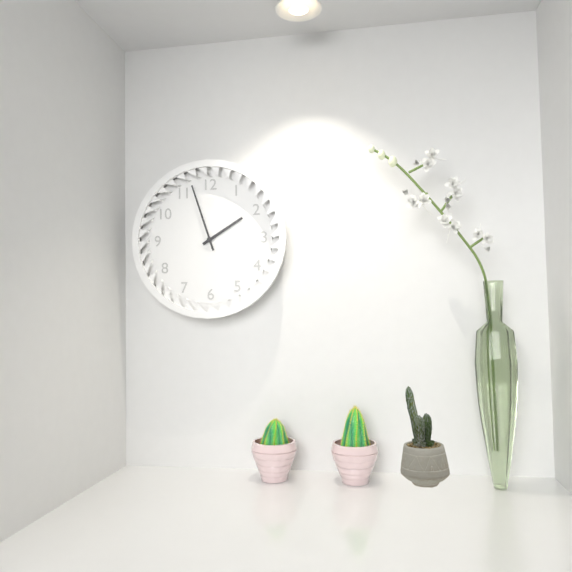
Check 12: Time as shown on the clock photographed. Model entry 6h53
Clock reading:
1h57
